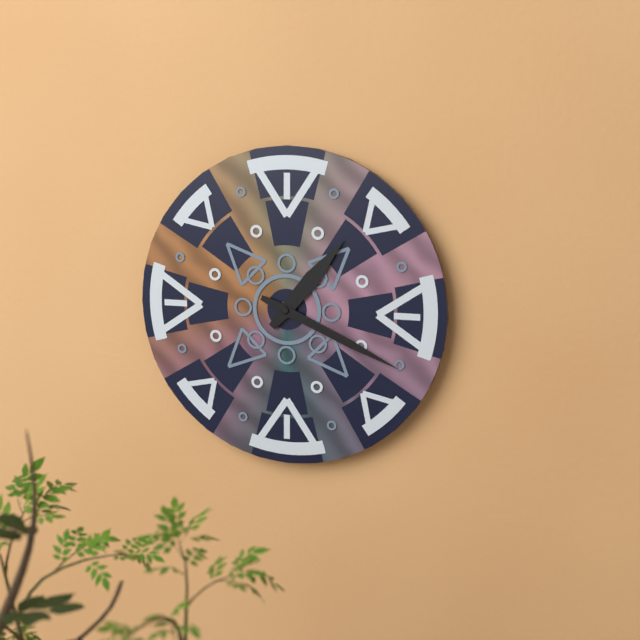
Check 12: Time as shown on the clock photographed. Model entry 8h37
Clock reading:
1h19
